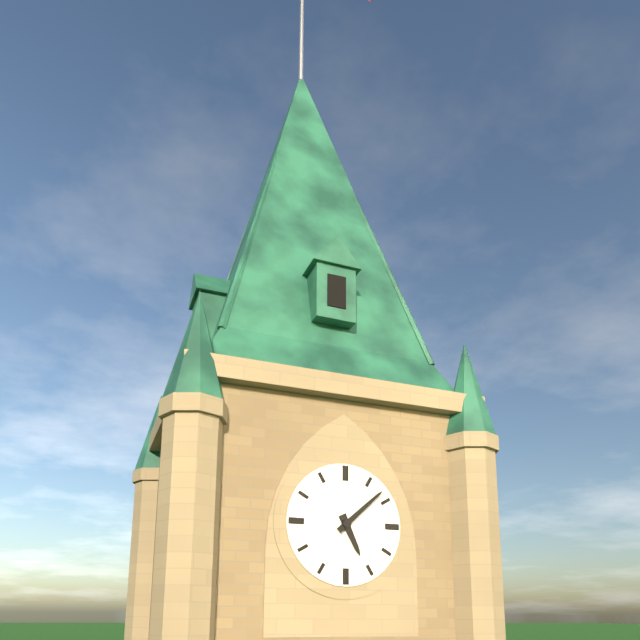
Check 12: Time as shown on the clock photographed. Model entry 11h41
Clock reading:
5h08
